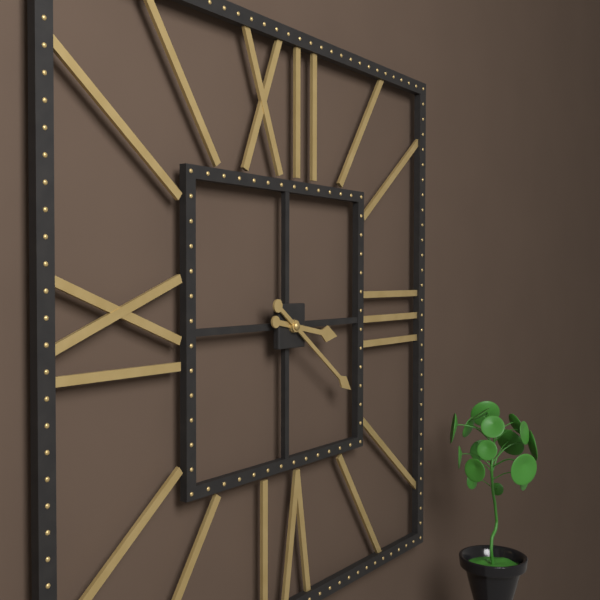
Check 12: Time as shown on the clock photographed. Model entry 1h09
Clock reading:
3h21
